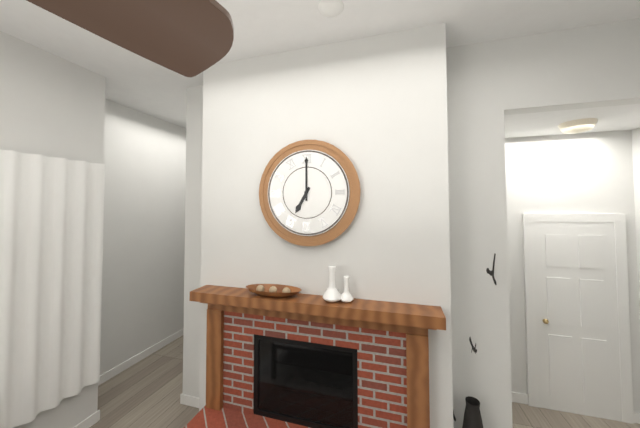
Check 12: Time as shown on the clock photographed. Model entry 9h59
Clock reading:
7h00
